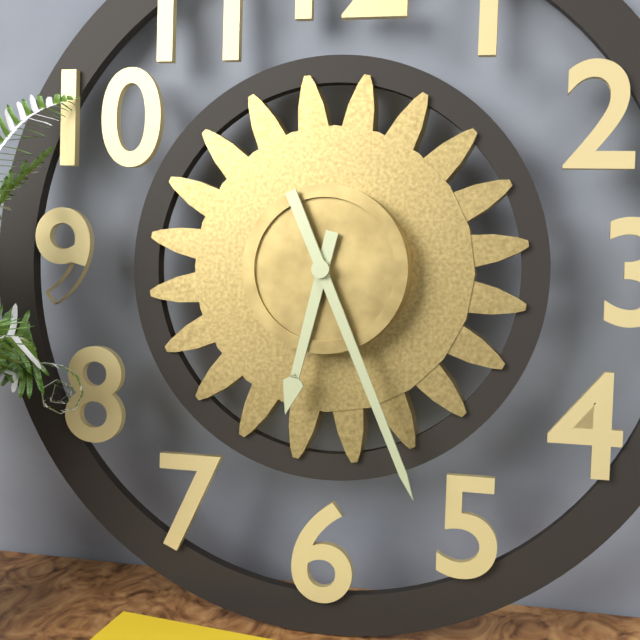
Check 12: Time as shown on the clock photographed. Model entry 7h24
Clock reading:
6h26
